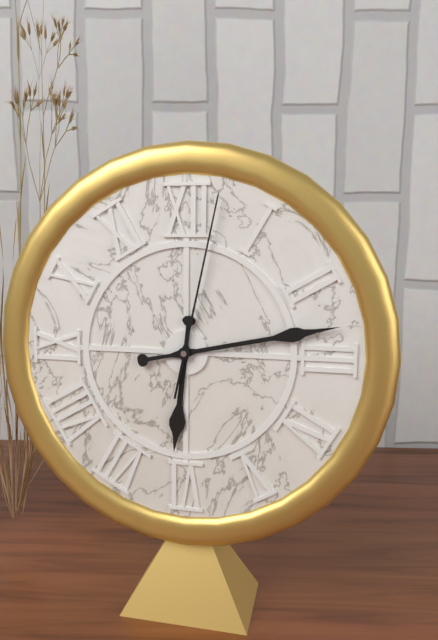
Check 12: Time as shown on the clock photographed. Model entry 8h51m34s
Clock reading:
6h13m02s
